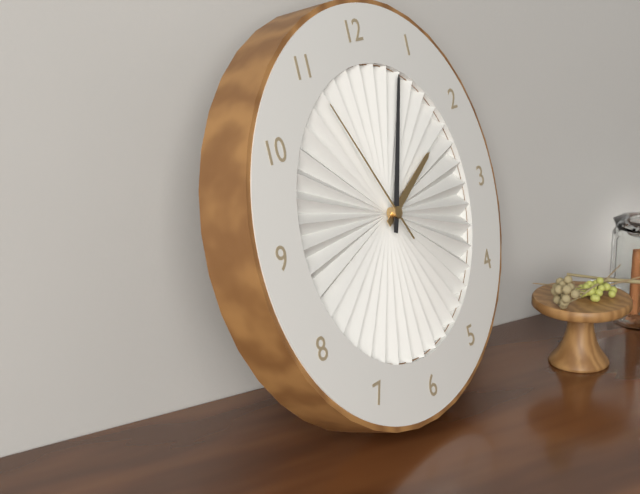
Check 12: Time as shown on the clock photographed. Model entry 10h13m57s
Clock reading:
2h04m55s
